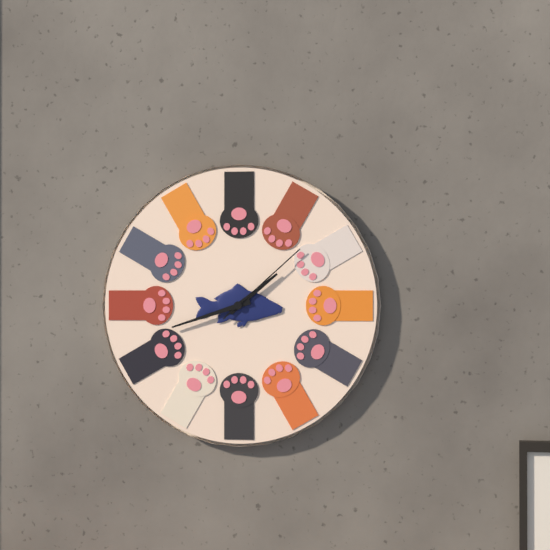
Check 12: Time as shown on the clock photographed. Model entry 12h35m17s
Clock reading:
1h42m08s
